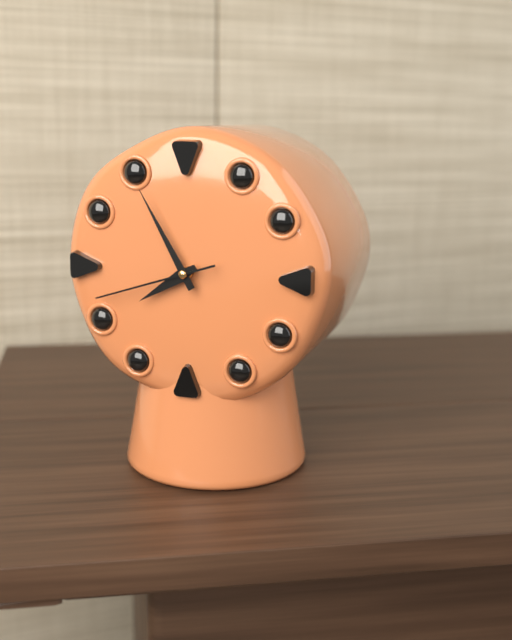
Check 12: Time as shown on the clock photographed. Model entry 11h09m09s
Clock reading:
7h55m42s
